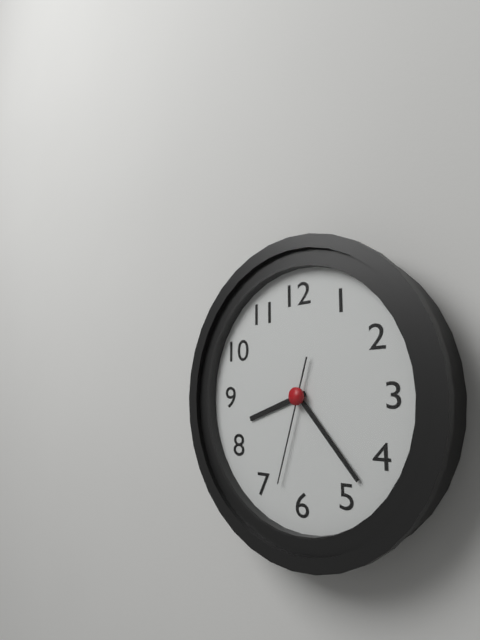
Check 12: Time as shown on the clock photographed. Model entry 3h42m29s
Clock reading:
8h23m33s
